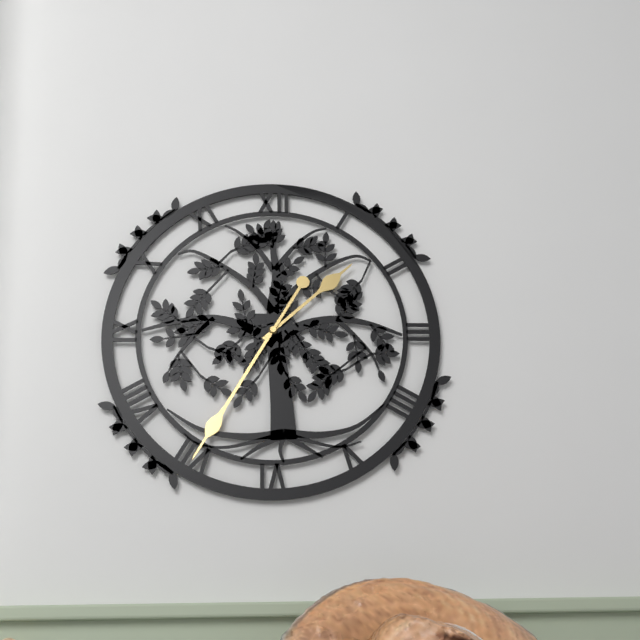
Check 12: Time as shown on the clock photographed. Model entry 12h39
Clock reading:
1h35
